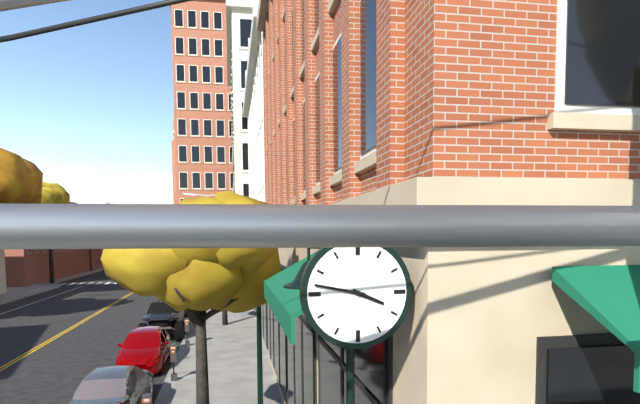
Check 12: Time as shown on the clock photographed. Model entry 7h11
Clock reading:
3h47
